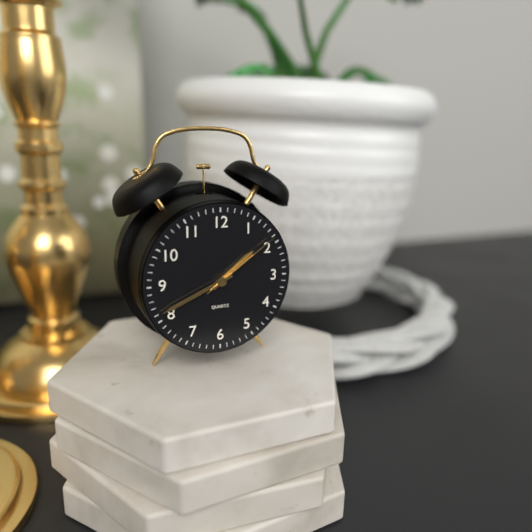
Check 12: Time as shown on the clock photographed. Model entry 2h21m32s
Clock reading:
1h41m09s
